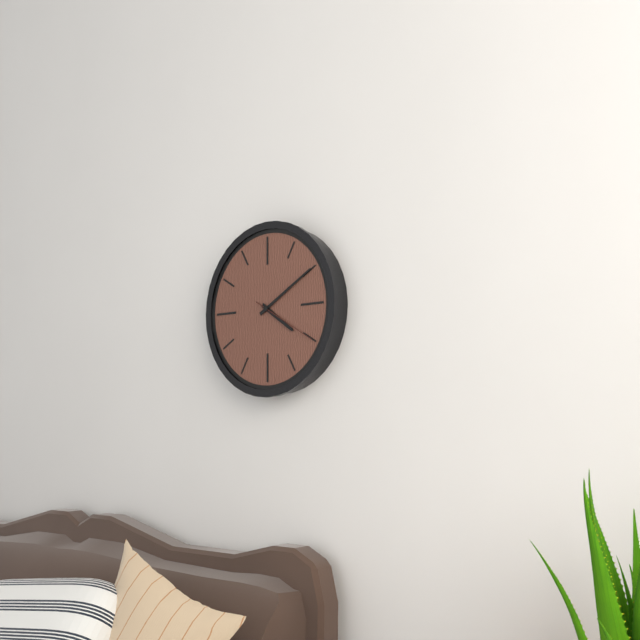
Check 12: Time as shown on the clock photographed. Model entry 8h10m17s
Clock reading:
4h10m20s
